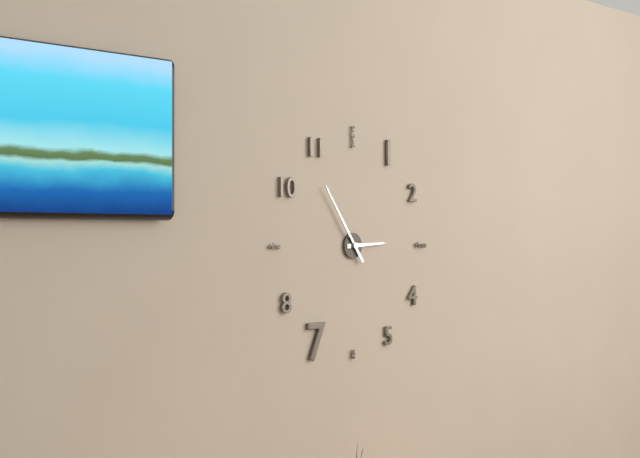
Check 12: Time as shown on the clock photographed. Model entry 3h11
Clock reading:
2h54
